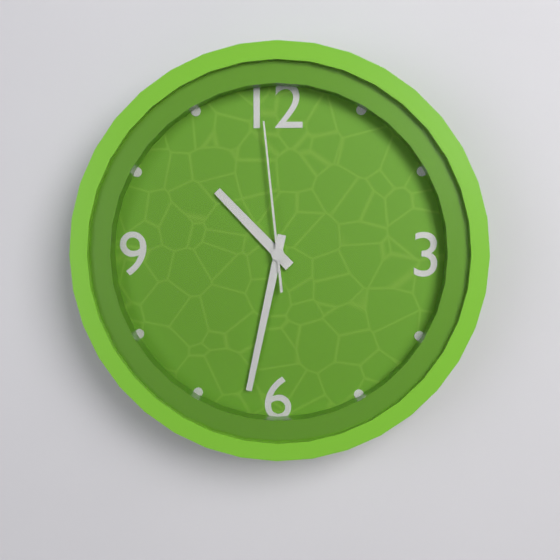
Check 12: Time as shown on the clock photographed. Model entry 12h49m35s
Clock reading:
10h32m59s
